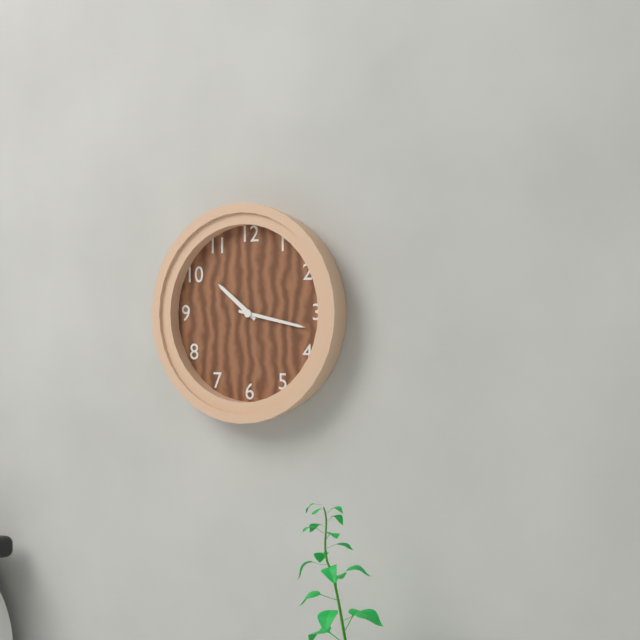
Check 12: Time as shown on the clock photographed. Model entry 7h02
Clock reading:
10h17
